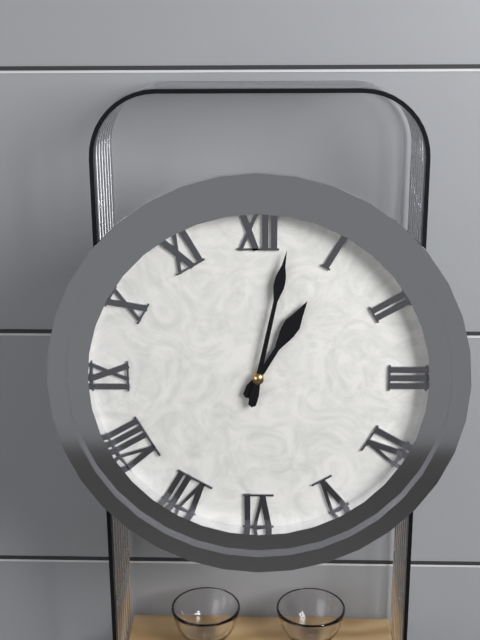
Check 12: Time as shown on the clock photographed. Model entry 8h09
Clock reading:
1h02
